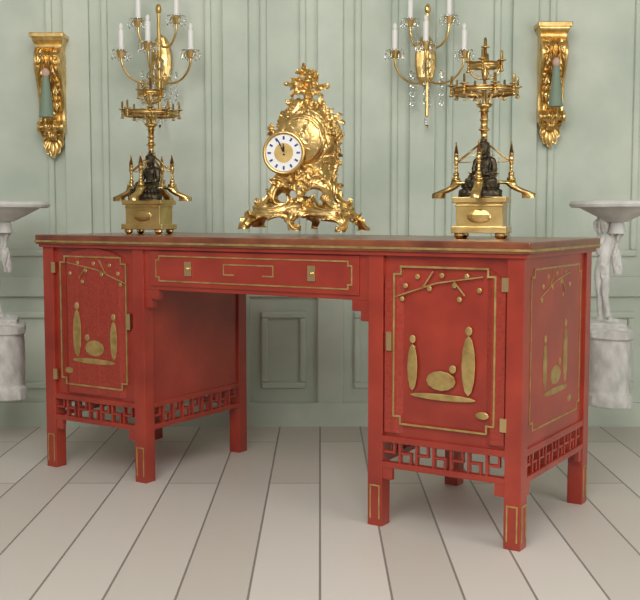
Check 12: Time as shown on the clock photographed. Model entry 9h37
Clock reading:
11h56
